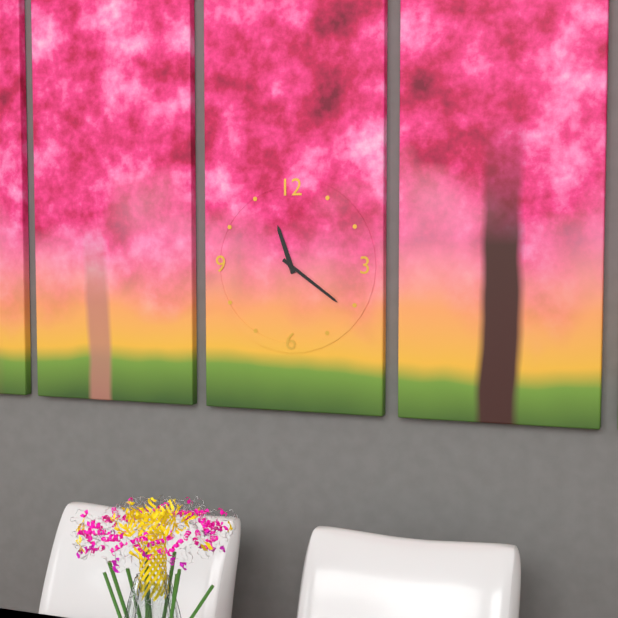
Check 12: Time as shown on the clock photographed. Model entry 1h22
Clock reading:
11h21
